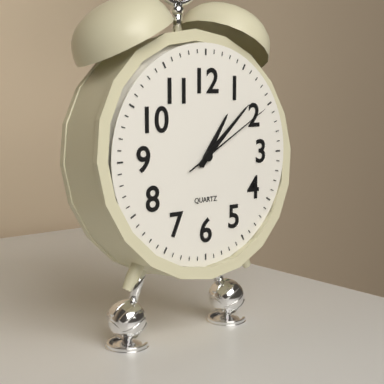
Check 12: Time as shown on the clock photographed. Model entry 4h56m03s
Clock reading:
1h08m10s
